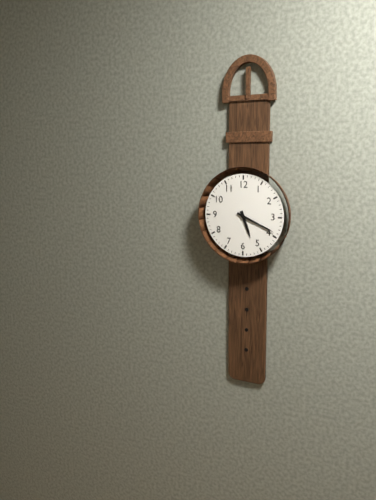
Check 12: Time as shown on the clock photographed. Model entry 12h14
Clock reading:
5h19
